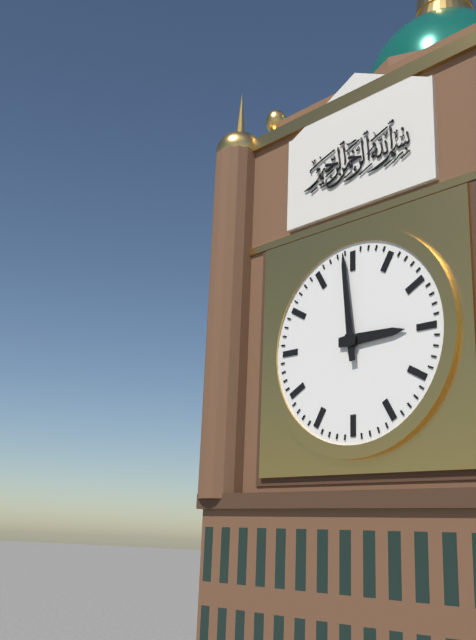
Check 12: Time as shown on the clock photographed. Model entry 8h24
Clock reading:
2h59
